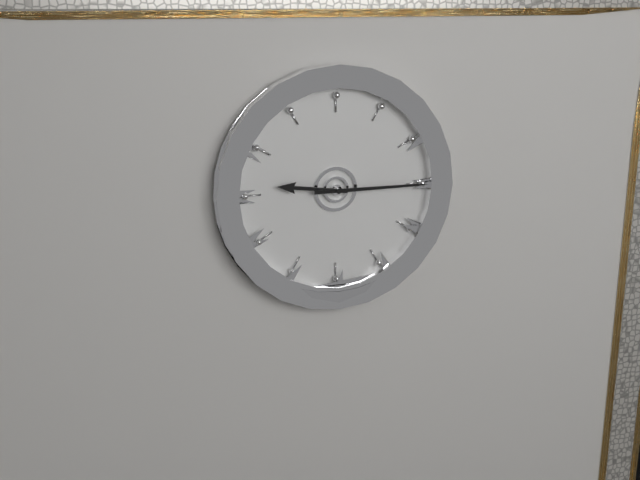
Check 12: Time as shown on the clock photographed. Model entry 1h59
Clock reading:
9h15
